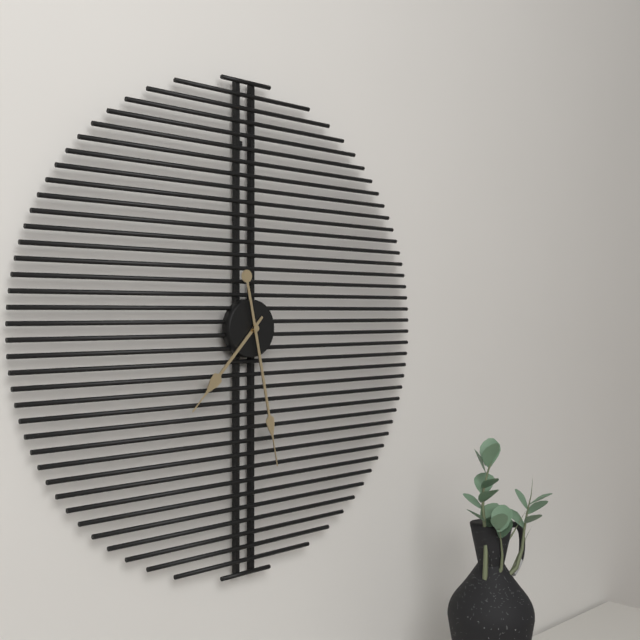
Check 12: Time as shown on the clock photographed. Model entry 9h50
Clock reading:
7h28
